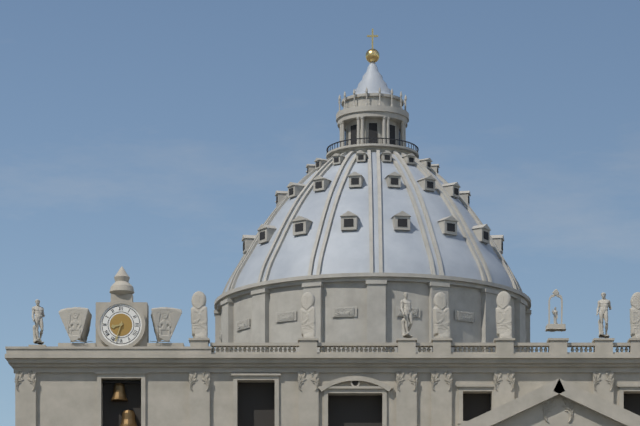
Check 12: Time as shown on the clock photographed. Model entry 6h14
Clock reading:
8h33
